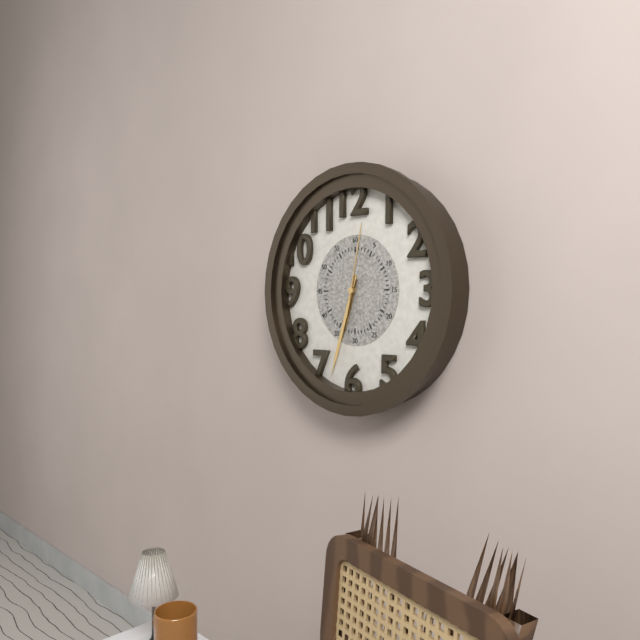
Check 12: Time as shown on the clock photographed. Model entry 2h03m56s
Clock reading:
6h33m02s
